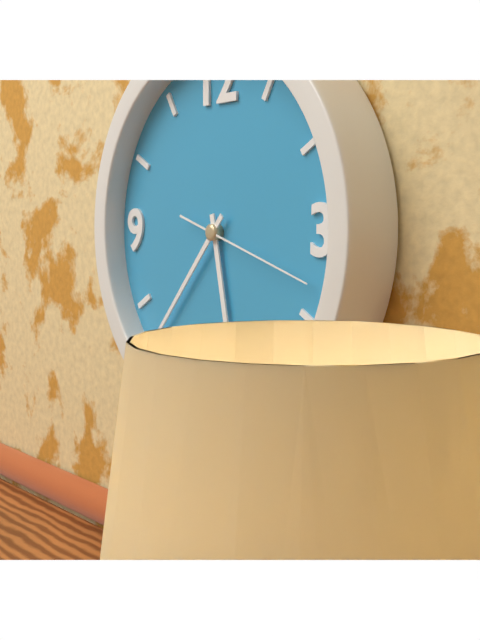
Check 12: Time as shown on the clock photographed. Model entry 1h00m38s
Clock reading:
5h37m18s
